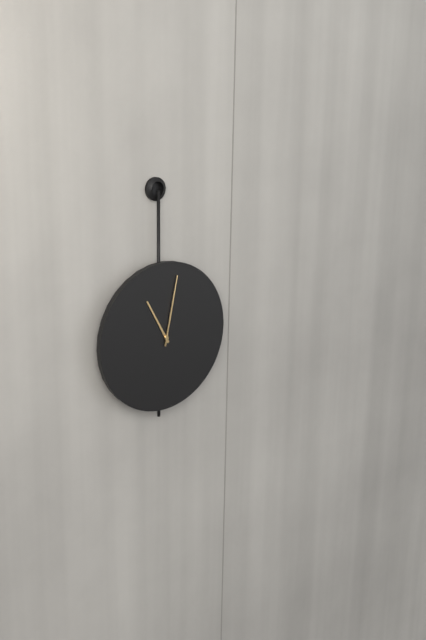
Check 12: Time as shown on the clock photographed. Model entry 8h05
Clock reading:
11h02
